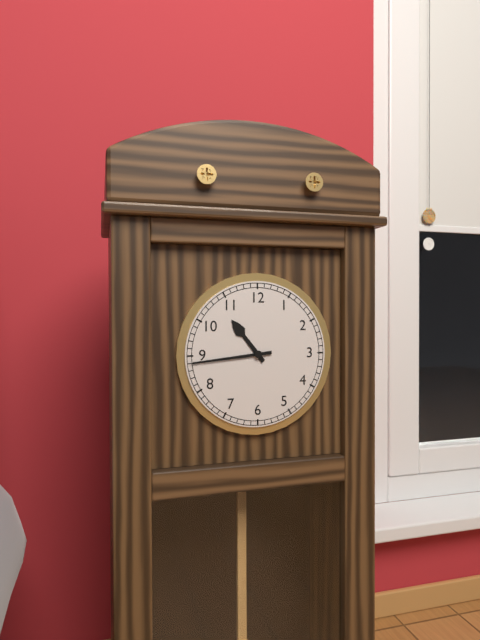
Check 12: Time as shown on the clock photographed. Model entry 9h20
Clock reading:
10h44
